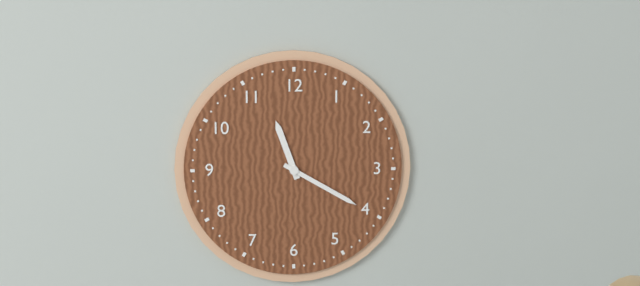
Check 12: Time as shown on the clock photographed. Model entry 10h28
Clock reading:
11h20
